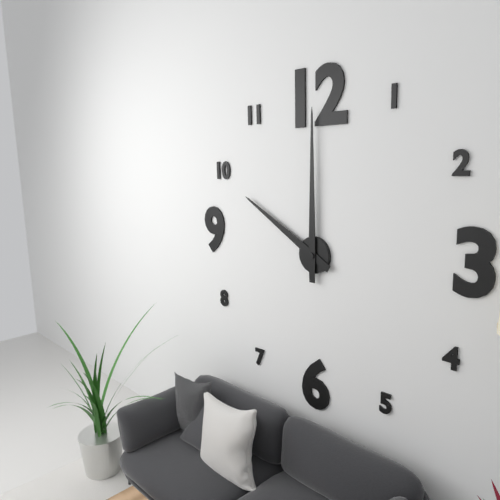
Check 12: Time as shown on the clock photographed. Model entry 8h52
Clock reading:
10h00
